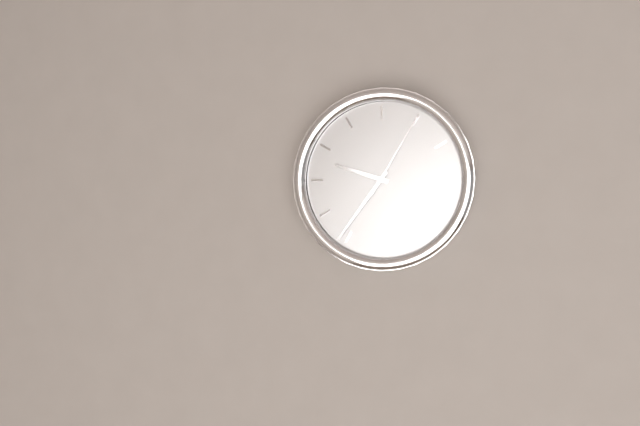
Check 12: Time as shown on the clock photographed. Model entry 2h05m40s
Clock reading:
9h36m05s
